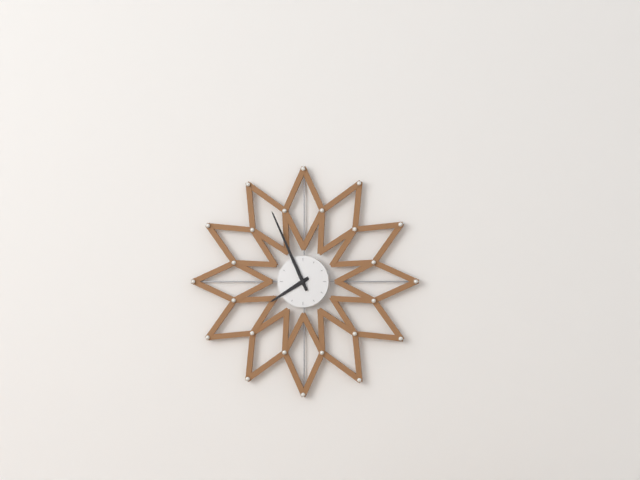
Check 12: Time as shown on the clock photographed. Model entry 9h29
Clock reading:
7h56
